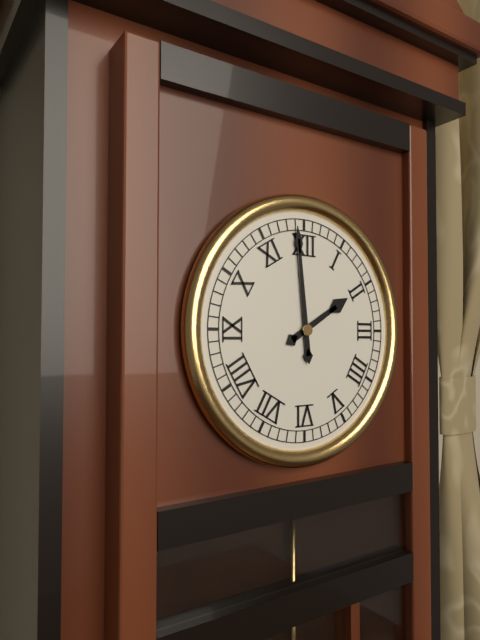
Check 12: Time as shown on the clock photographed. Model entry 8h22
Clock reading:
1h59
